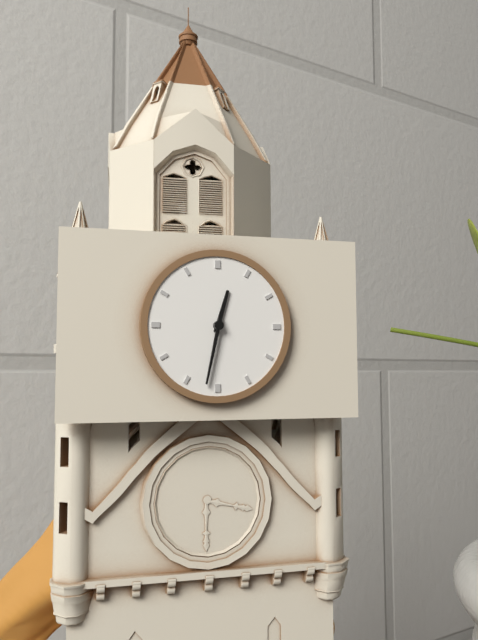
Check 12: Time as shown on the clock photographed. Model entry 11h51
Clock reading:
12h32
